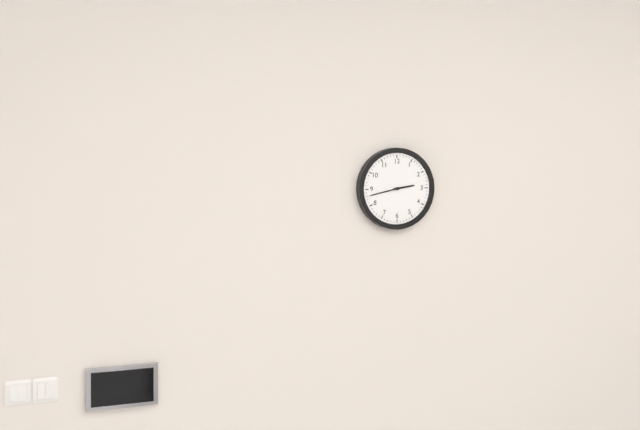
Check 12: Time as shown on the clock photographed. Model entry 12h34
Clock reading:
2h43
